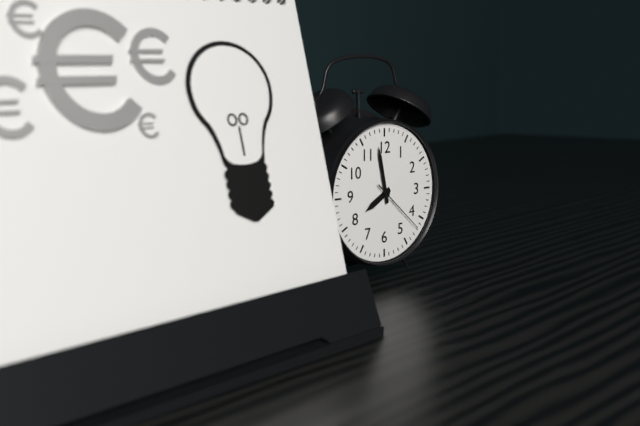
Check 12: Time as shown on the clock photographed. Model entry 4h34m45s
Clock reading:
7h58m22s
